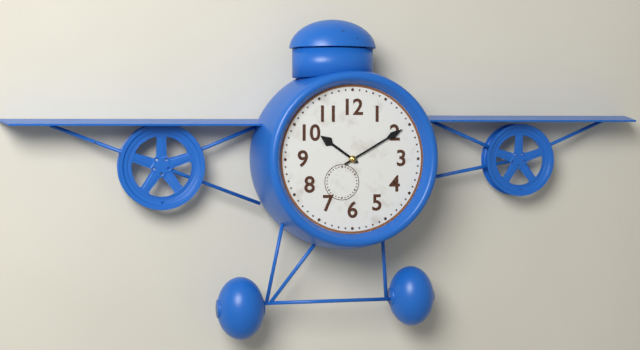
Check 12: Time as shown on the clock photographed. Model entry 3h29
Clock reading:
10h10
